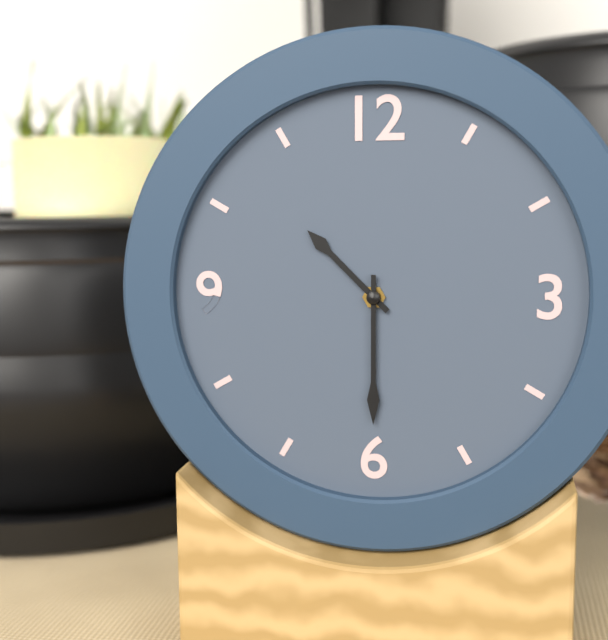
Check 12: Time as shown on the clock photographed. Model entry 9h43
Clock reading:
10h30
